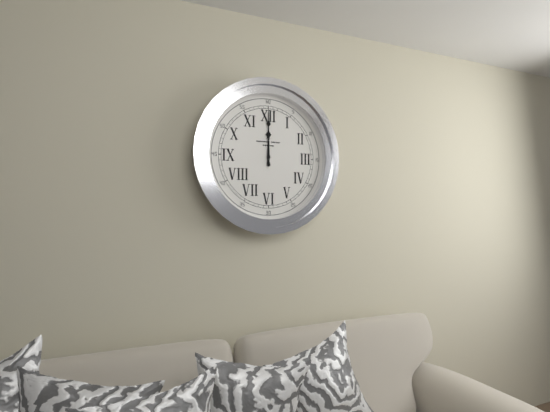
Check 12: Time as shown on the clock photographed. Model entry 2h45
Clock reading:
12h00
